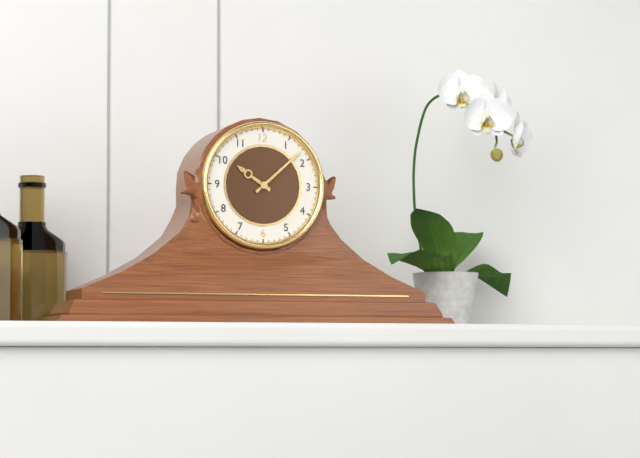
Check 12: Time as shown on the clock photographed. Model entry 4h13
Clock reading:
10h08
